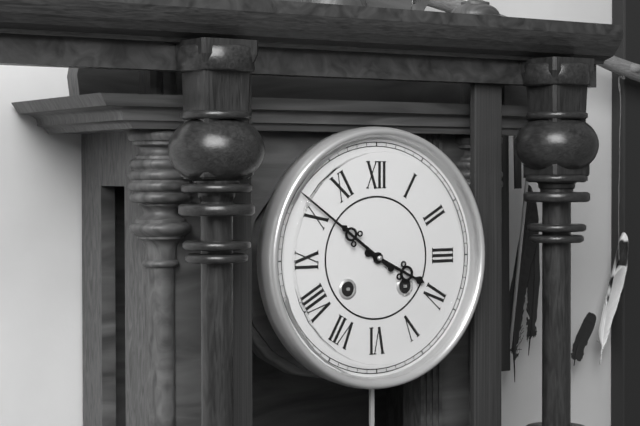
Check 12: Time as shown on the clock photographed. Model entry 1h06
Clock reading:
3h51
